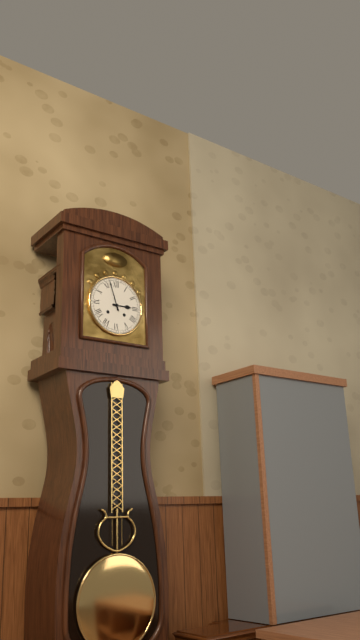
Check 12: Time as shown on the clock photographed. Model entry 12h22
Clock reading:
2h57
